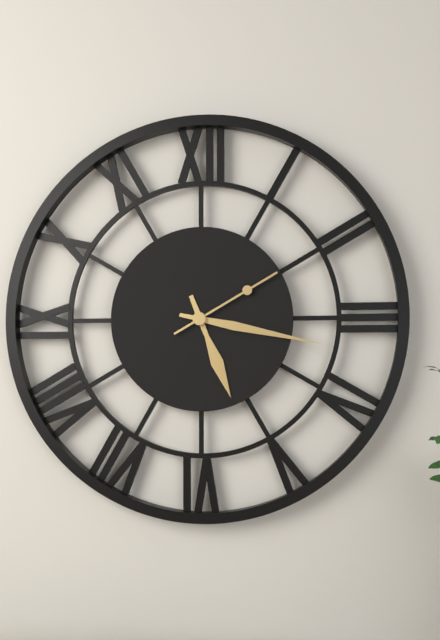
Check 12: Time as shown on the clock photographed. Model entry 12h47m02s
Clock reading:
5h17m10s
